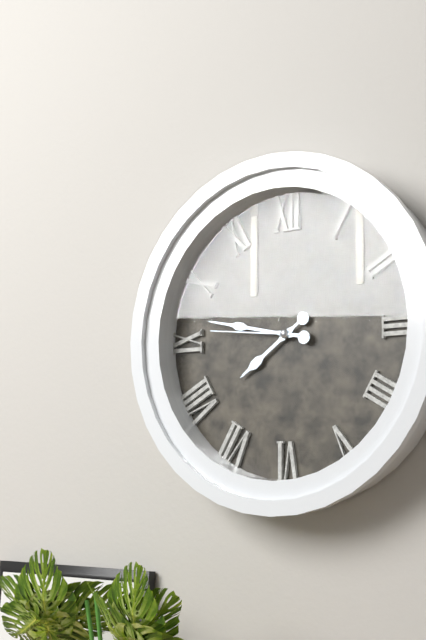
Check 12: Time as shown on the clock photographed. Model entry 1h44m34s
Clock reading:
7h47m46s
